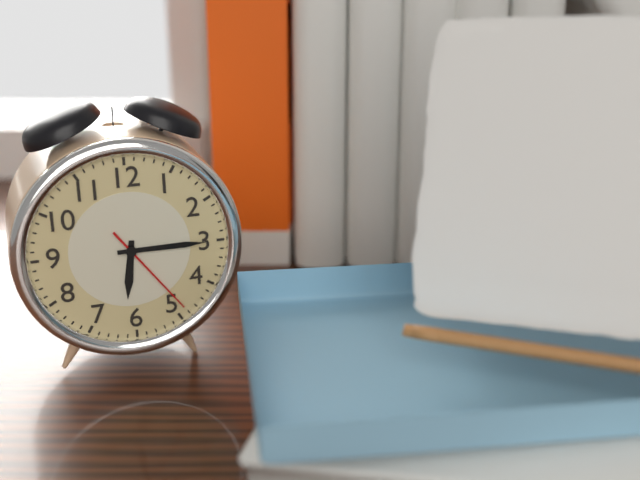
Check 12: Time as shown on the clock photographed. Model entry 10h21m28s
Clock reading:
6h15m24s
